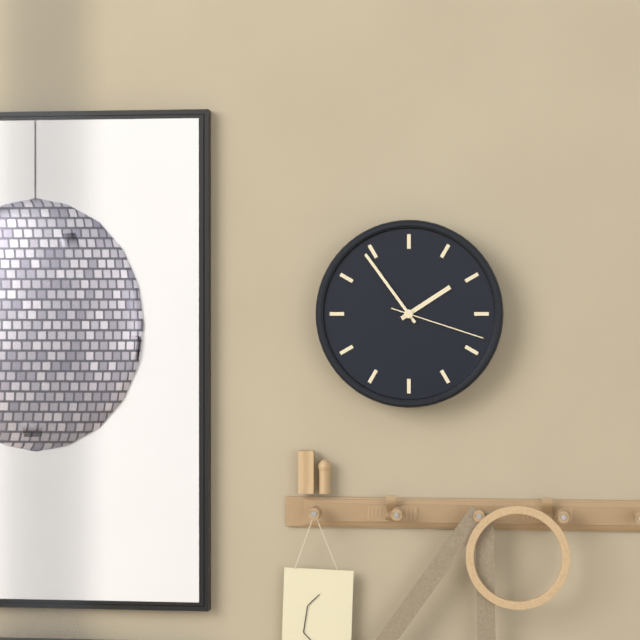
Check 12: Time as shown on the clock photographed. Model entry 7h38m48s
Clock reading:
1h54m18s
